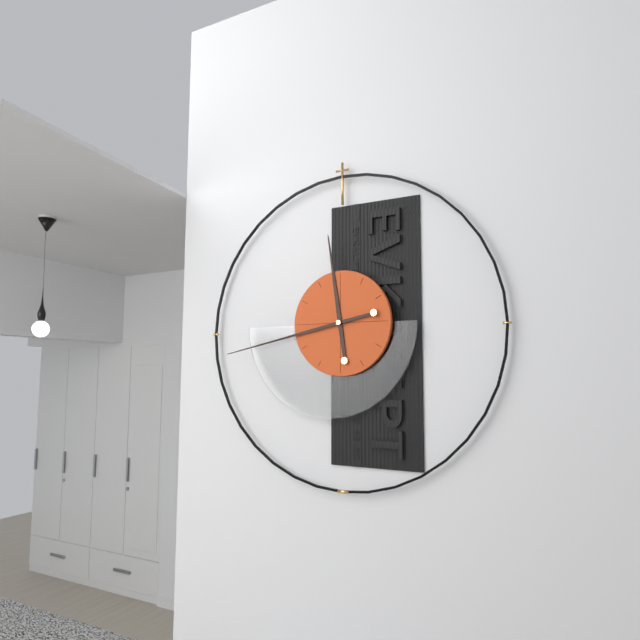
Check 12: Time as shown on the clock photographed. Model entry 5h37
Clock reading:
11h43
